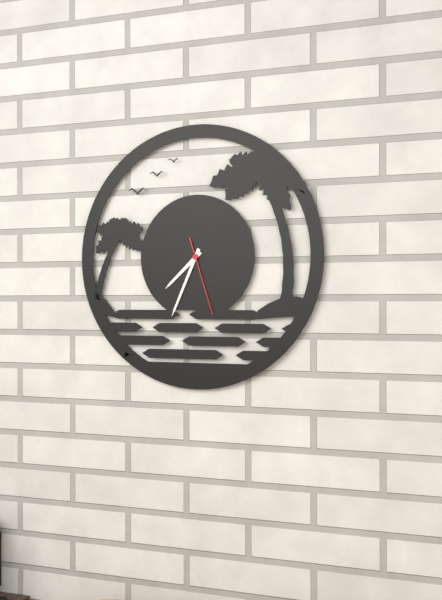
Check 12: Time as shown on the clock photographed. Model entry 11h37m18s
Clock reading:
7h34m27s
